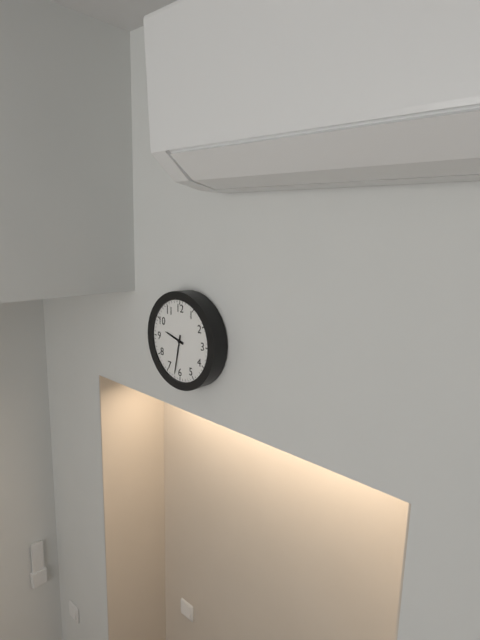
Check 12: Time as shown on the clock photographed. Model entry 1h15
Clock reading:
9h32
